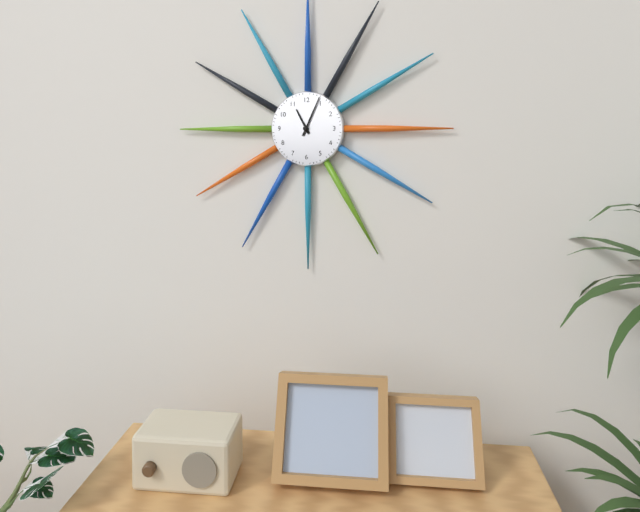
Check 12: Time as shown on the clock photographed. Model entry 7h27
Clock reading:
11h04
